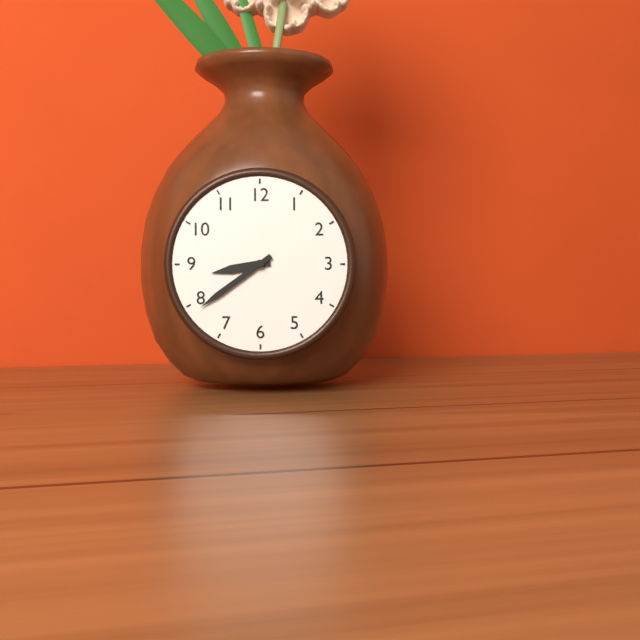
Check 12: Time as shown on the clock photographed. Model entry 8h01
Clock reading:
8h39
